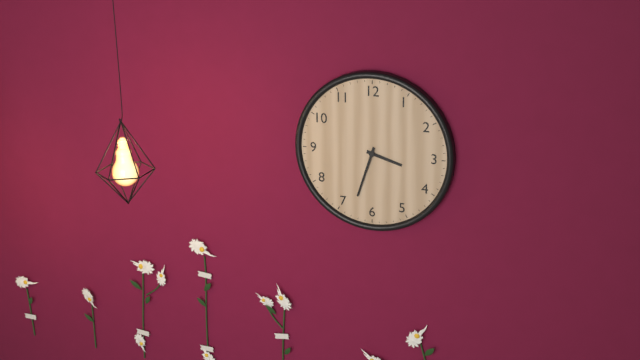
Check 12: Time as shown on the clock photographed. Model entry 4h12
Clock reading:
3h33
